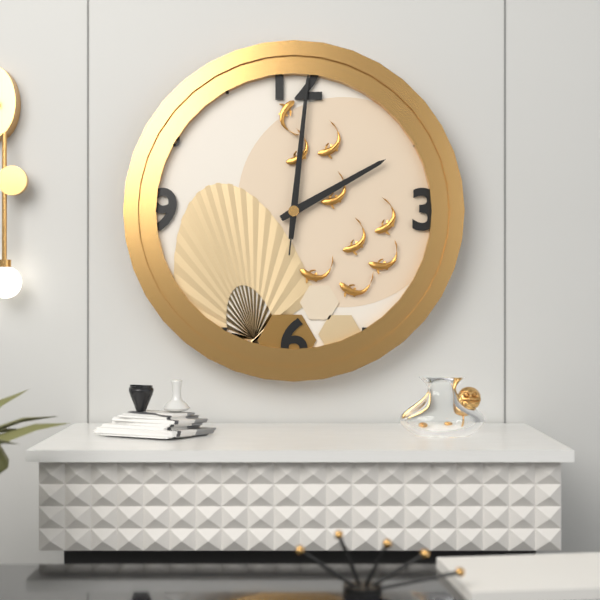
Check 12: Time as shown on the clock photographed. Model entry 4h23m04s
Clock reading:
2h01m01s
